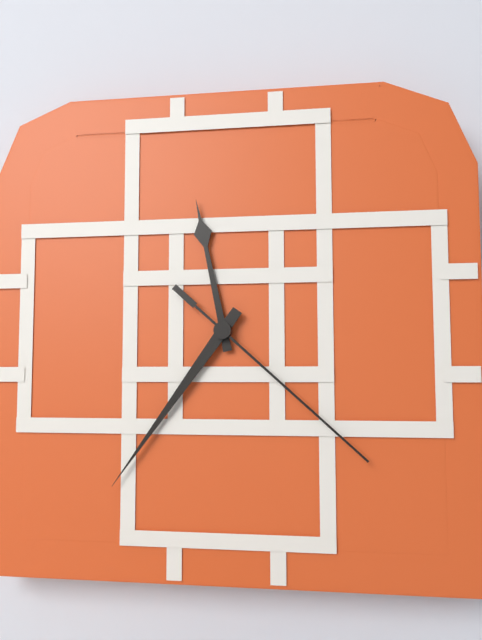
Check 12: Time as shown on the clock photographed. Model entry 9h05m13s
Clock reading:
11h36m22s
